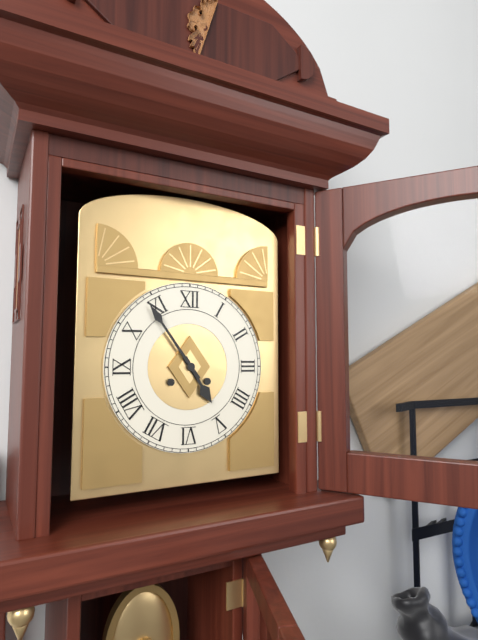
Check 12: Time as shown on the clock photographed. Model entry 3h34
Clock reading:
4h54
